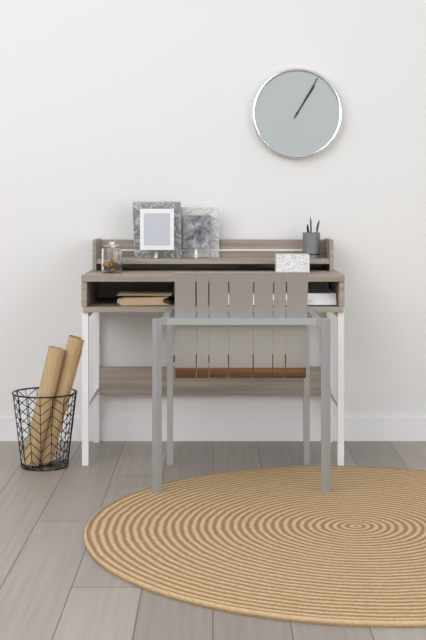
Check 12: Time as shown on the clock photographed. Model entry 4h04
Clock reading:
1h05
